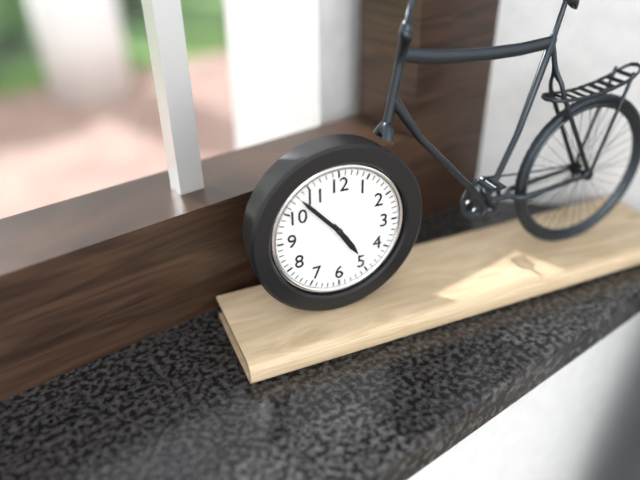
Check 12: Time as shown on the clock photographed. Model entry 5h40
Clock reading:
4h53
